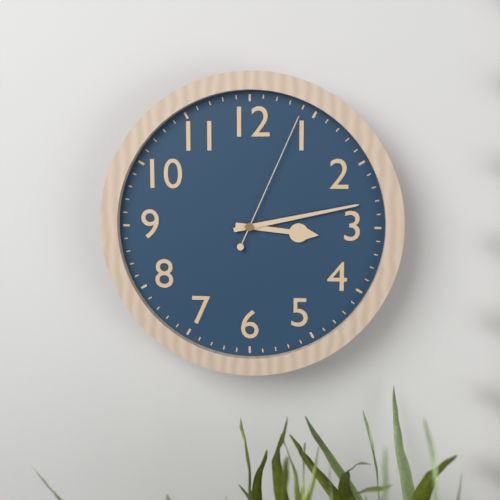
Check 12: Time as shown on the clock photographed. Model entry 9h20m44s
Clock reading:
3h13m04s
